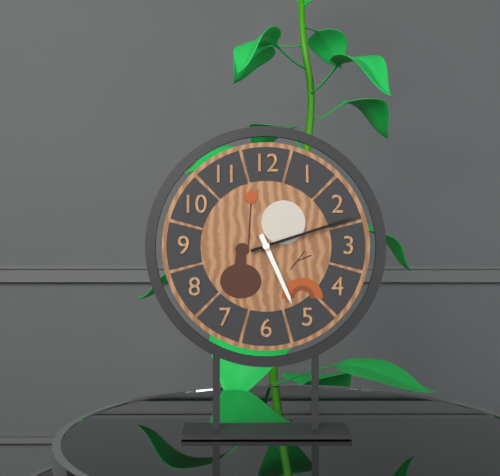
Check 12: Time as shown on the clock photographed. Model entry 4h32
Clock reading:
5h12
